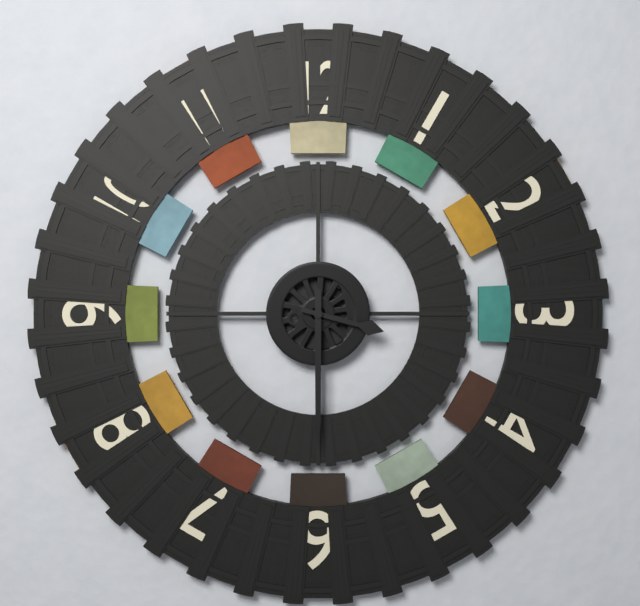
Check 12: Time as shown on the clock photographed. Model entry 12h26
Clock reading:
3h30
